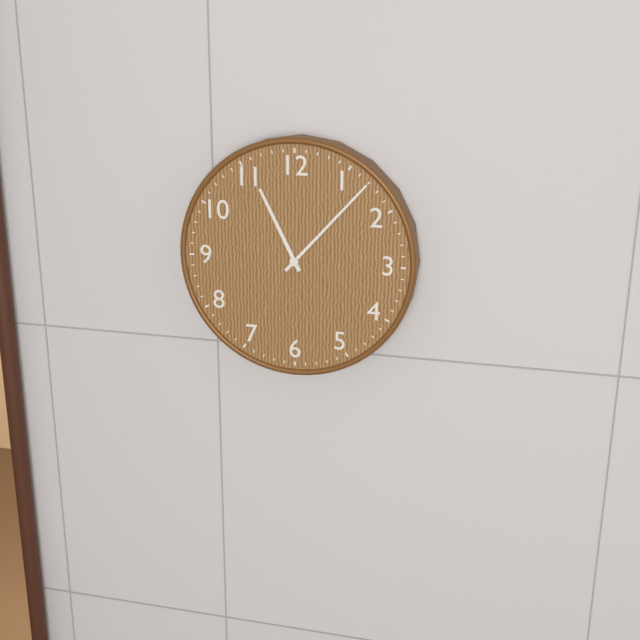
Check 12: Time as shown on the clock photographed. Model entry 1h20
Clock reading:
11h07
